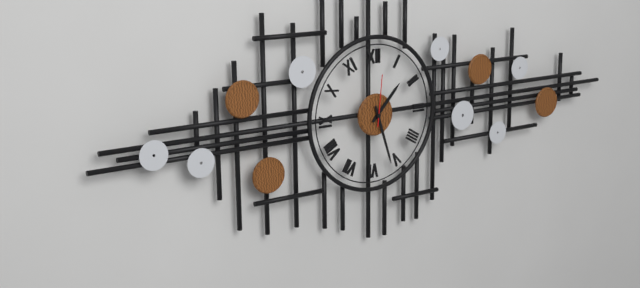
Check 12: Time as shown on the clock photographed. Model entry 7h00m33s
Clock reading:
1h27m01s
